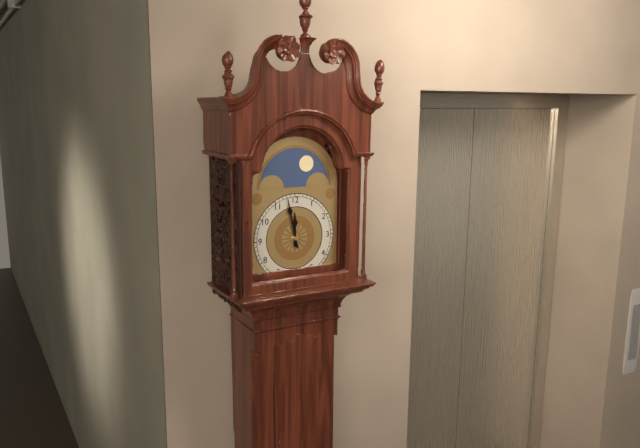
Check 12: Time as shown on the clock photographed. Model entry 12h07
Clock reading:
11h58
